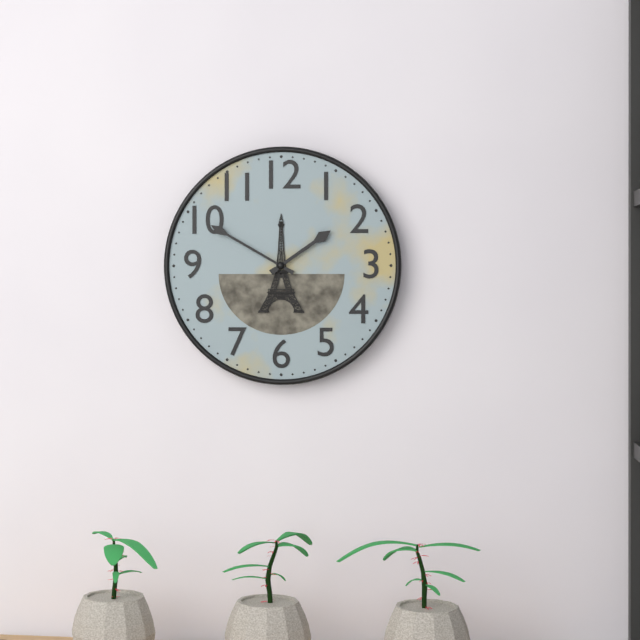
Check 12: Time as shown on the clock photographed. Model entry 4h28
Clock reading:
1h50
